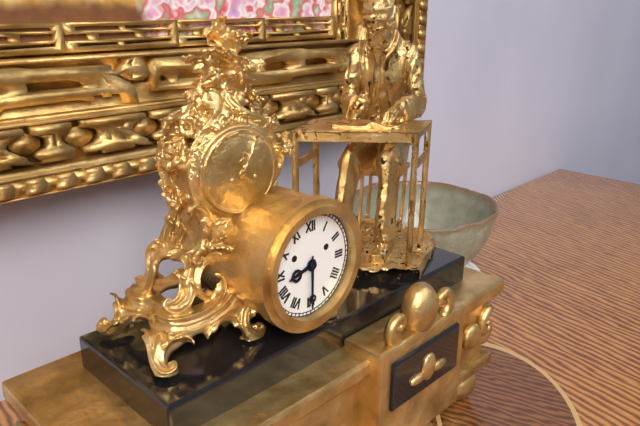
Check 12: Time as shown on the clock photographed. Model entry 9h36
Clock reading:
8h30
